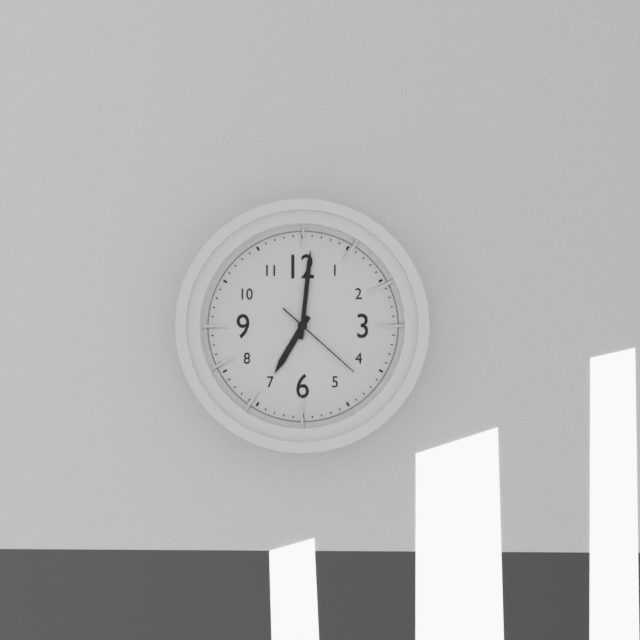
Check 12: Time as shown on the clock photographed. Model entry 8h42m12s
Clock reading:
7h01m22s
